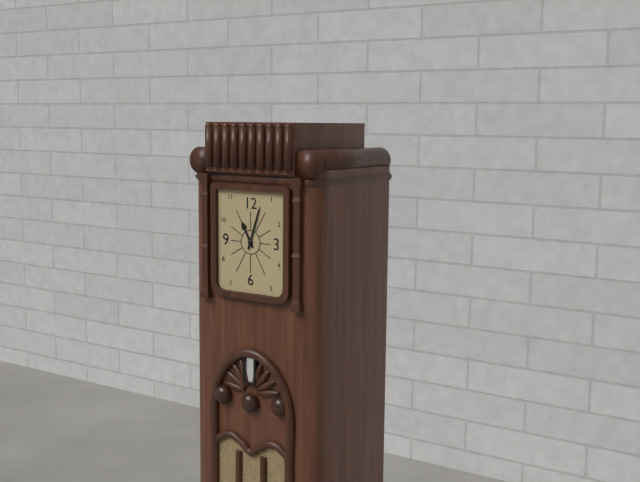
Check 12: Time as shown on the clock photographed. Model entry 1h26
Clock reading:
11h03
